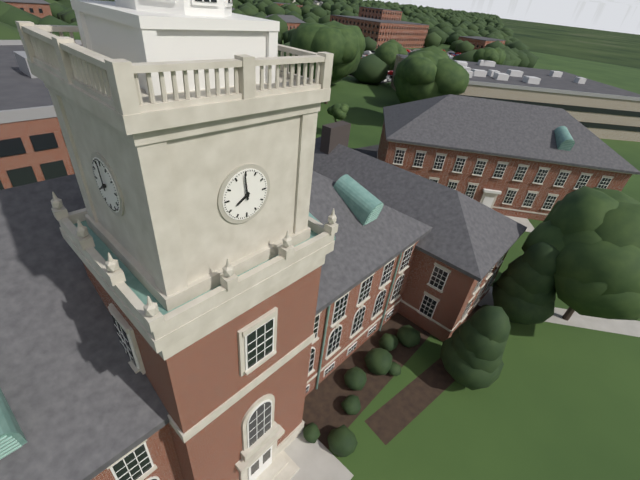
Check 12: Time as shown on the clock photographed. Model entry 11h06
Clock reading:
7h59
